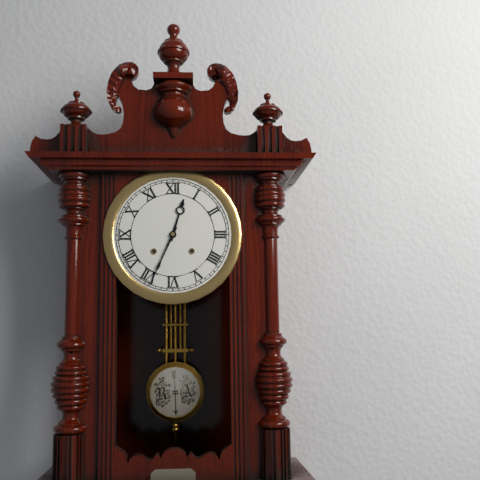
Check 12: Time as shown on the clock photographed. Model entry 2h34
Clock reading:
12h34
